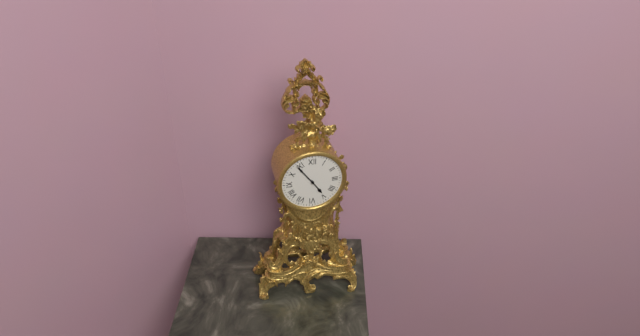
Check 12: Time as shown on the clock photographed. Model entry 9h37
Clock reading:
4h54
